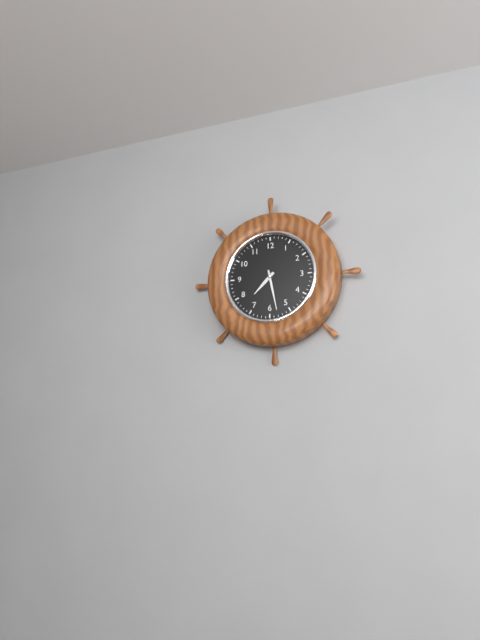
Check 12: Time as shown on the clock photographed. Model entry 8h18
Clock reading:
7h28
